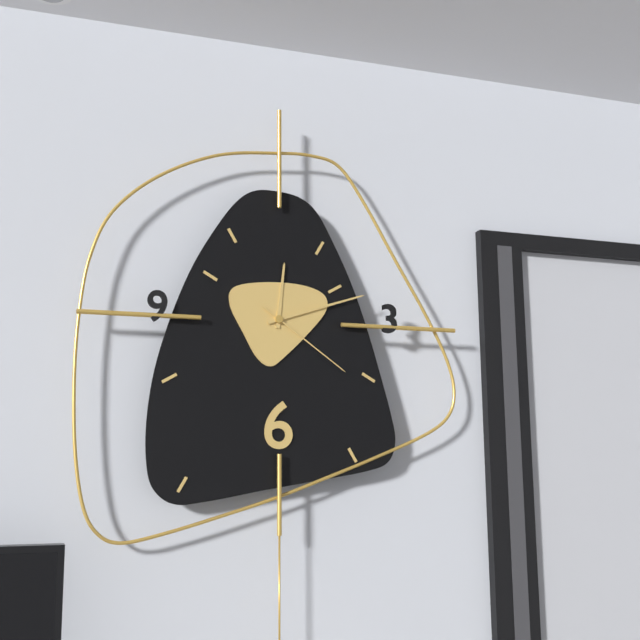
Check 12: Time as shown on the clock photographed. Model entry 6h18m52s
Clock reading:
12h12m21s
